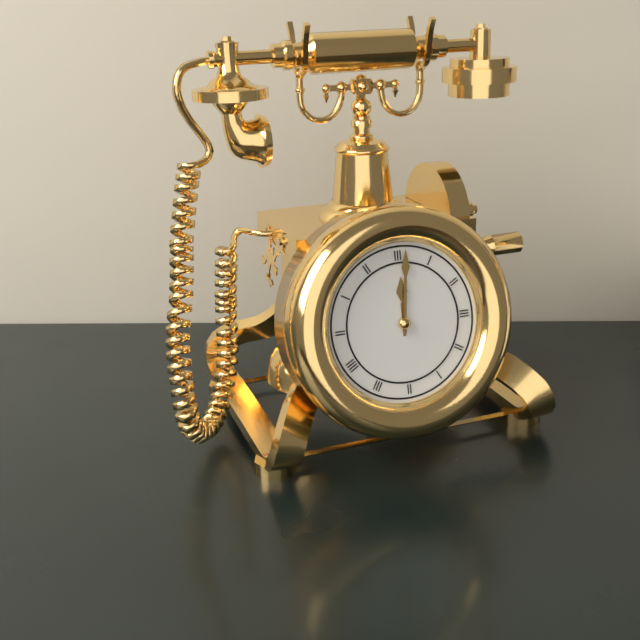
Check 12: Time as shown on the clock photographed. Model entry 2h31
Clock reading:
12h01
